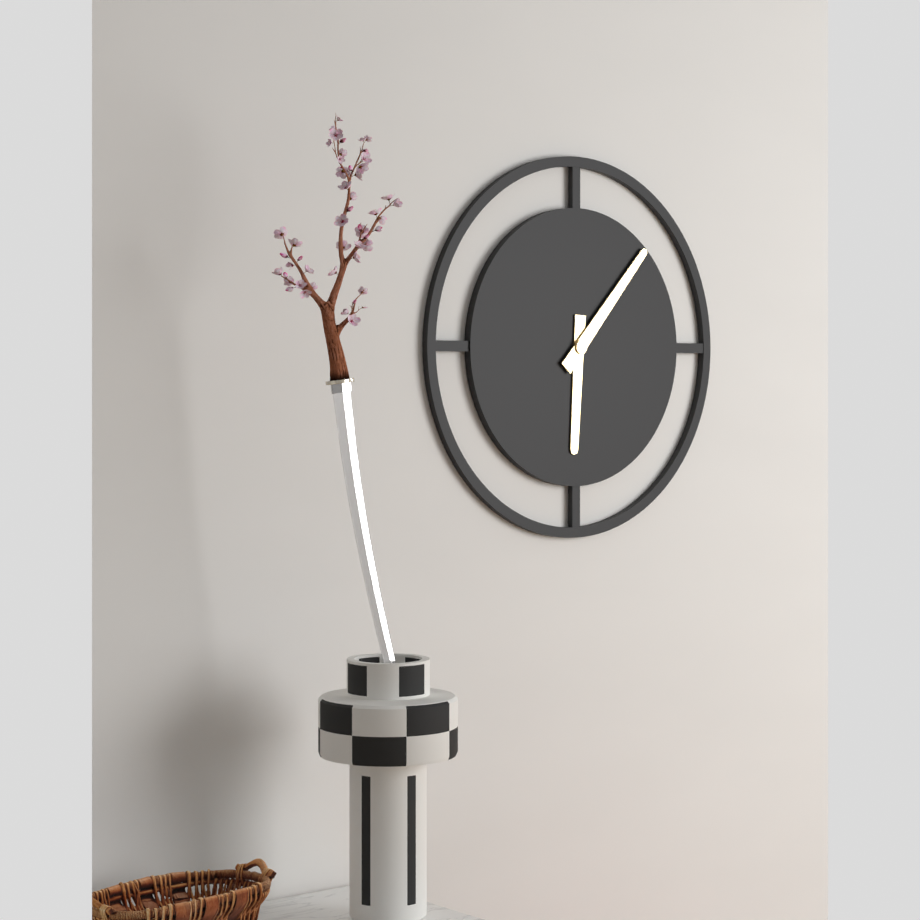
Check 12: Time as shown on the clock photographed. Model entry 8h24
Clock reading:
6h07
